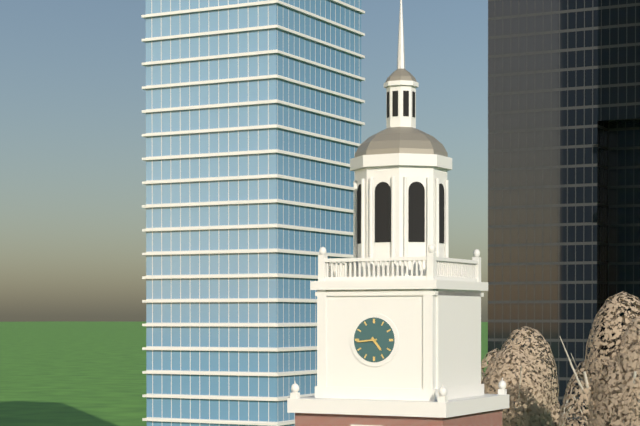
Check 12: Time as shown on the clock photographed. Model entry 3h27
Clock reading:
4h44
